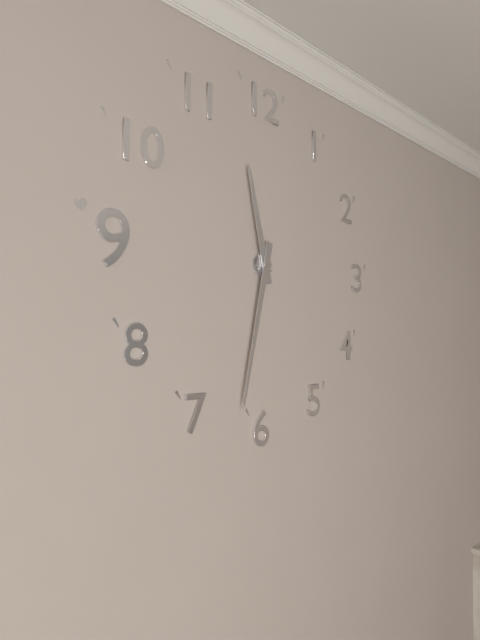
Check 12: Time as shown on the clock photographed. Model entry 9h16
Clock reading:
11h32
